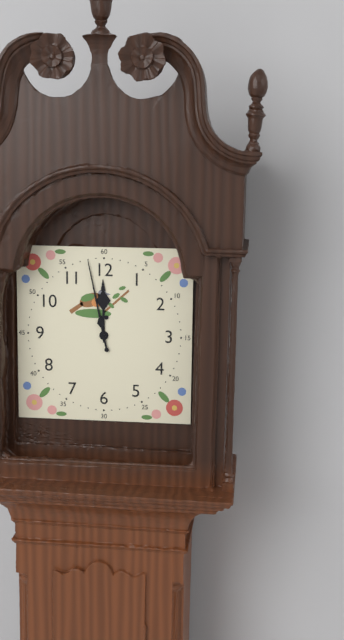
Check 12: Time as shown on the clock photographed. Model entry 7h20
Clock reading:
11h58
